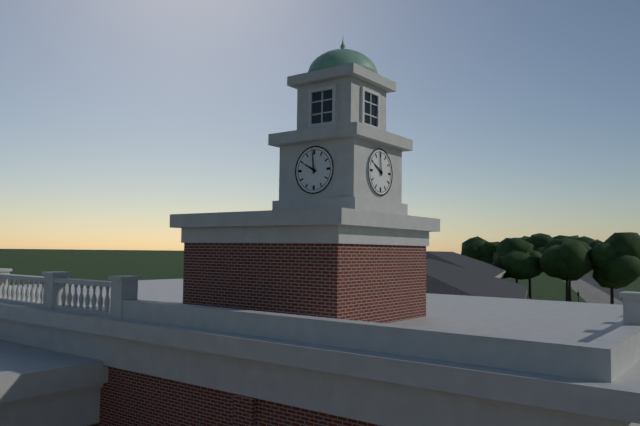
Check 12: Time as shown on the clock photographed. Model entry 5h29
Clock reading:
9h59
